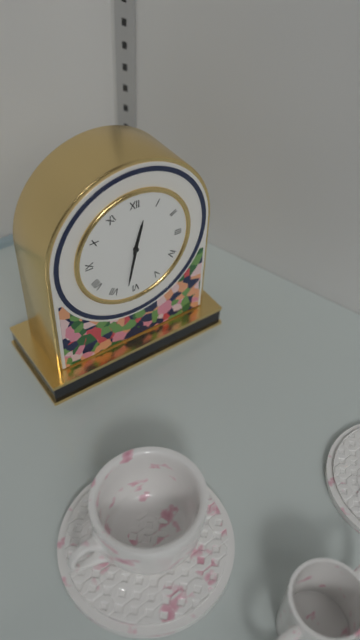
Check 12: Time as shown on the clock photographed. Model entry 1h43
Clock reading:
12h32
